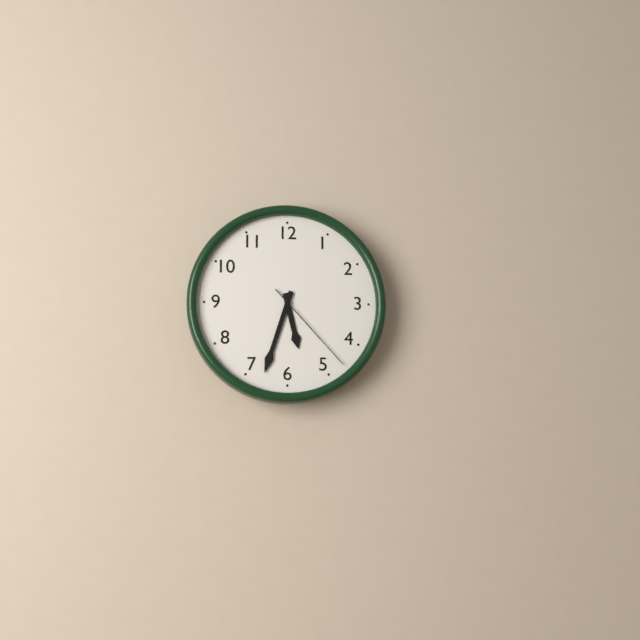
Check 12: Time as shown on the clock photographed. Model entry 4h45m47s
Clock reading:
5h33m23s
